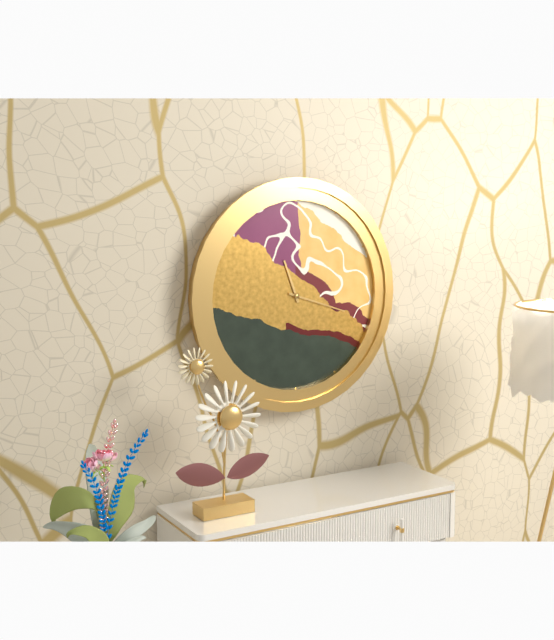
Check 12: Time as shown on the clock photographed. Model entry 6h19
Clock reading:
11h18
